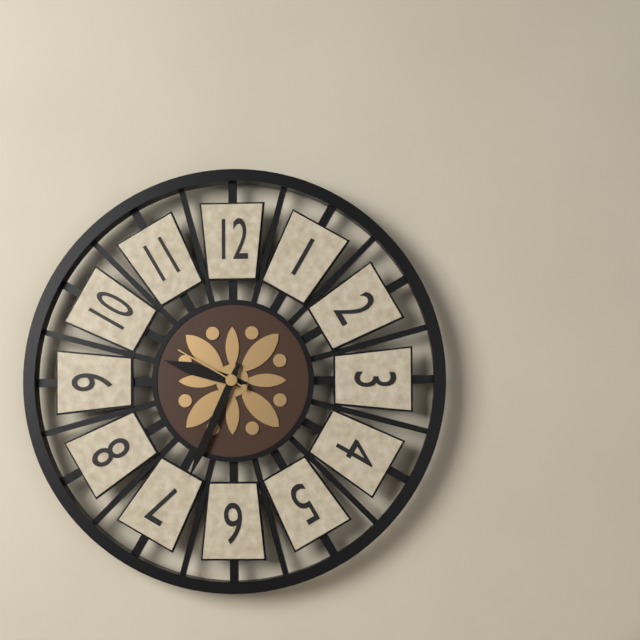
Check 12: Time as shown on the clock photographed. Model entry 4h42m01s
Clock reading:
9h34m50s
